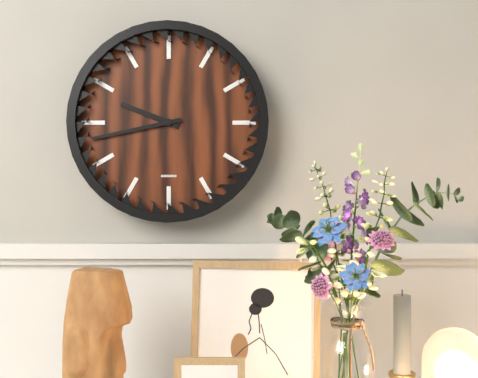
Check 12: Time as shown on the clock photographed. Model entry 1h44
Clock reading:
9h43
